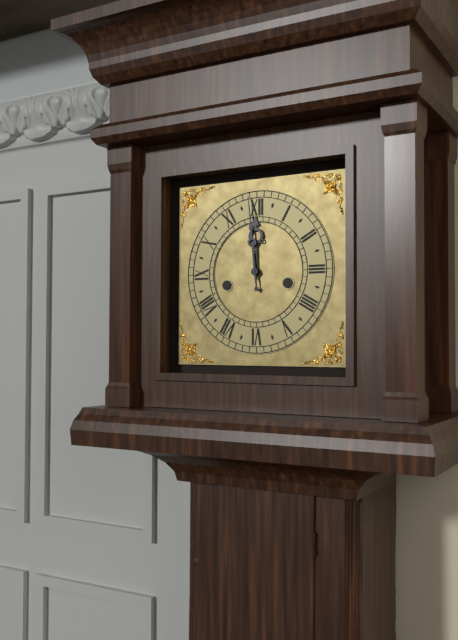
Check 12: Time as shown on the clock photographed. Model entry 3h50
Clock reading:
11h59
